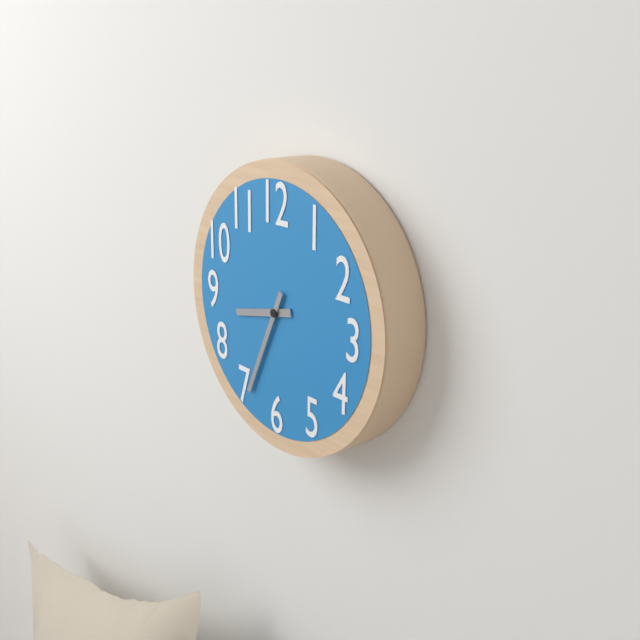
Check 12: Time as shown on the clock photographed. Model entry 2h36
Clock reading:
8h34
